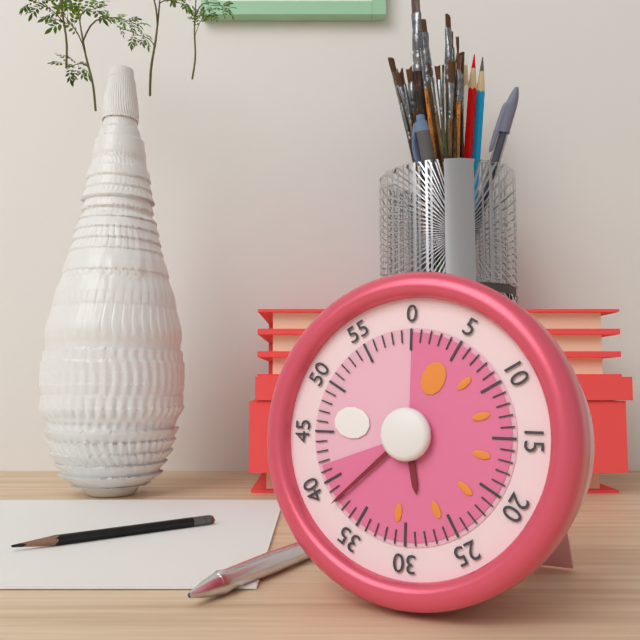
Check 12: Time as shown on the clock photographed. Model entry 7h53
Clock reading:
5h38
